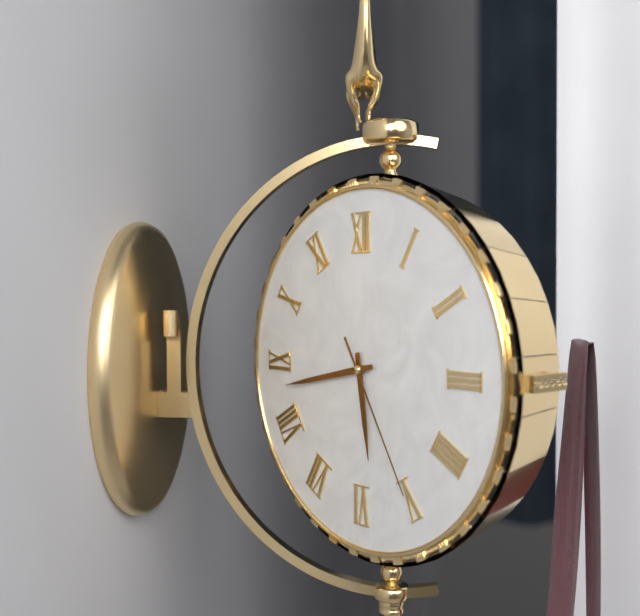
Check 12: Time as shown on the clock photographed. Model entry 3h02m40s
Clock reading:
5h43m25s
